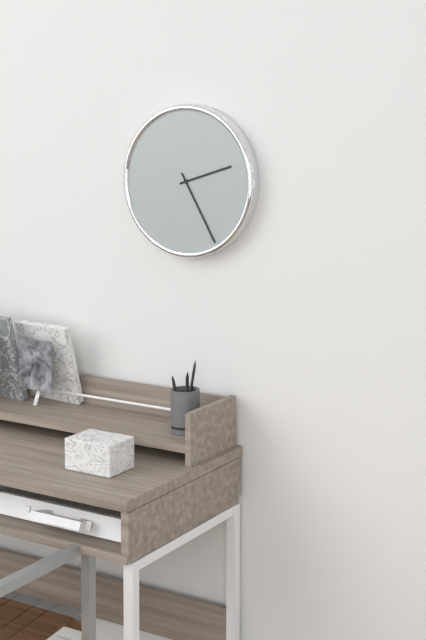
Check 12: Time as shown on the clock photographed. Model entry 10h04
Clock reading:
2h25
